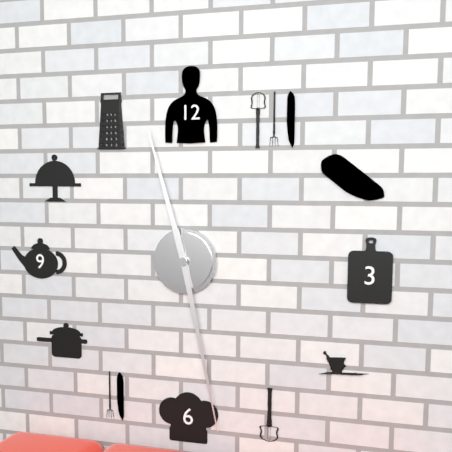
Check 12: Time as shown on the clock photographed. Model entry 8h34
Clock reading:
11h28
